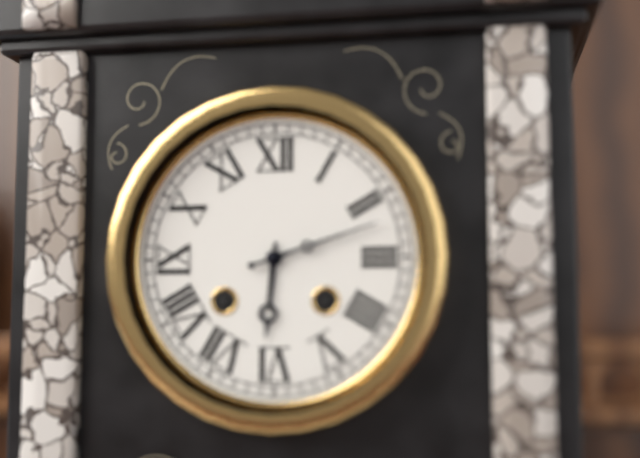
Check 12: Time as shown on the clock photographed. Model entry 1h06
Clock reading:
6h12
